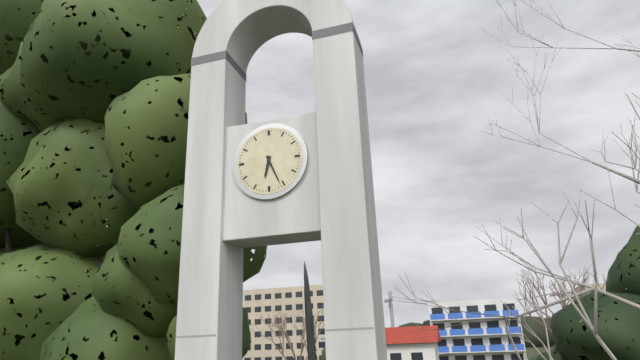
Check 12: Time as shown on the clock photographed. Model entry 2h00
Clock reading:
6h26
